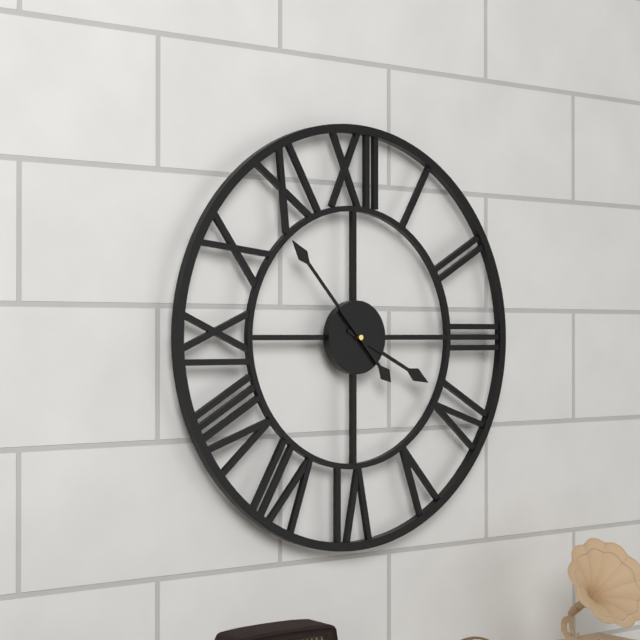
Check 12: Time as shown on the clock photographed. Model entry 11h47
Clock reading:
3h53
